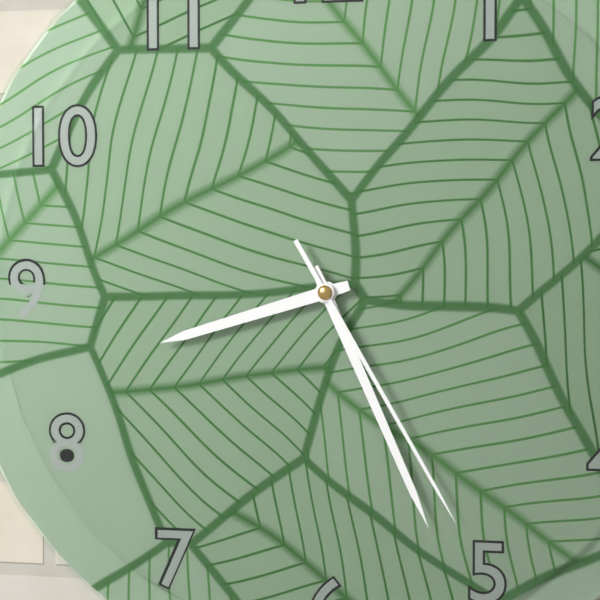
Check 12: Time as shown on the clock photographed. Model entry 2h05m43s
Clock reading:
8h26m25s
